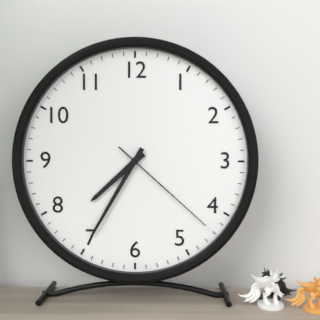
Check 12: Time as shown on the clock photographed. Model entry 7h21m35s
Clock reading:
7h35m22s
